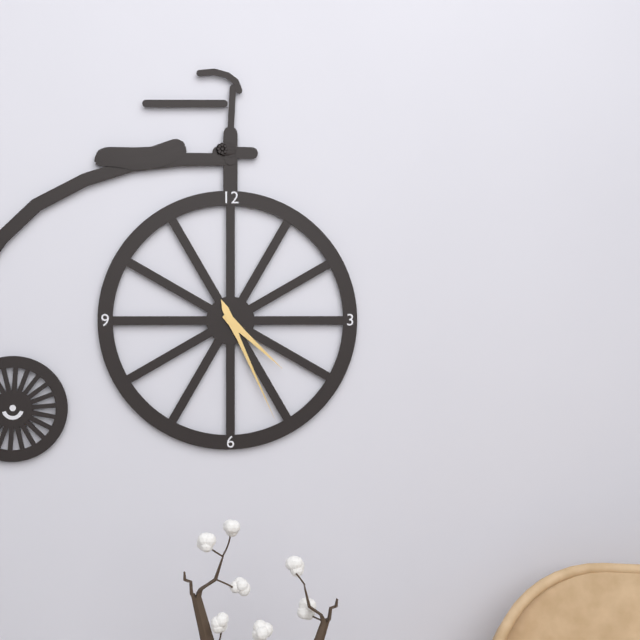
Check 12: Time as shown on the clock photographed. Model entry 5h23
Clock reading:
4h26
